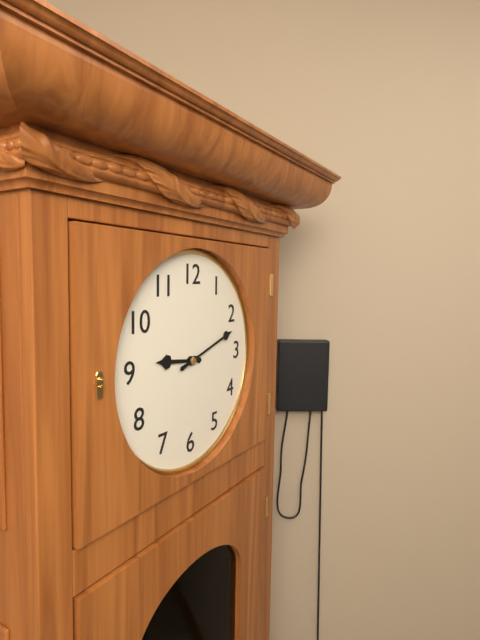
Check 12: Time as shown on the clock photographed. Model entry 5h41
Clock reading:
9h12
